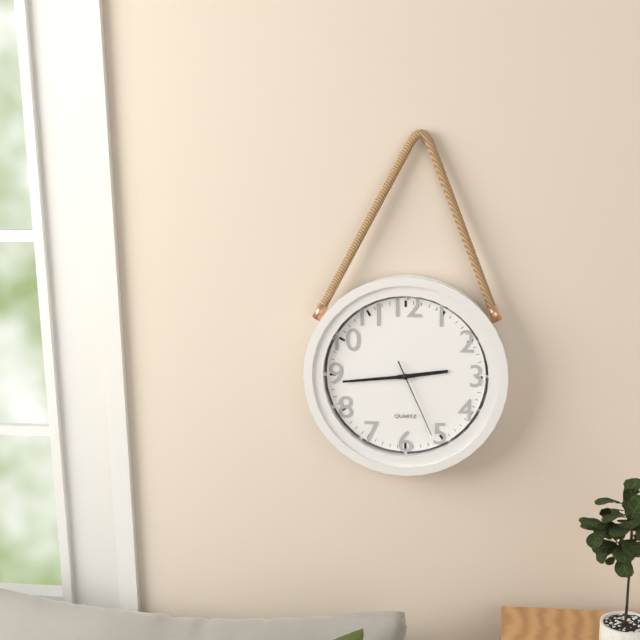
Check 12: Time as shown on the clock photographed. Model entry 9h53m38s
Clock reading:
2h44m26s
